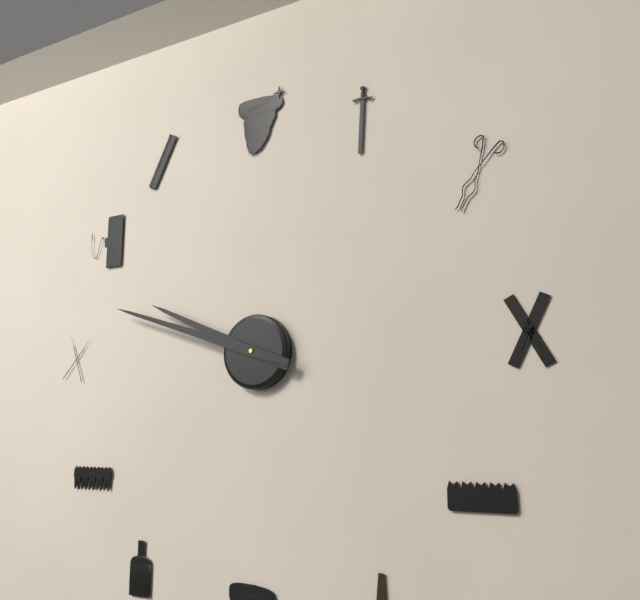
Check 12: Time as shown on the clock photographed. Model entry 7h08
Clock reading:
9h48
